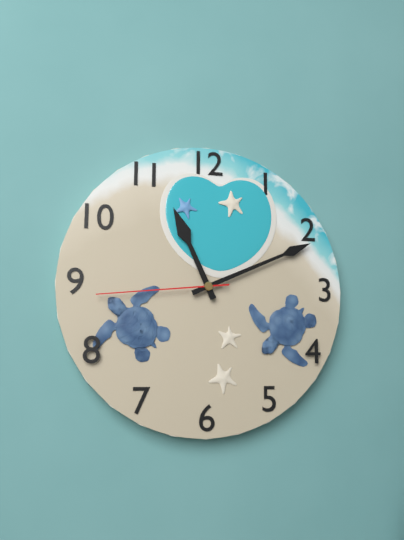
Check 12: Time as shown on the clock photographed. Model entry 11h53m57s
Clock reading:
11h11m44s
